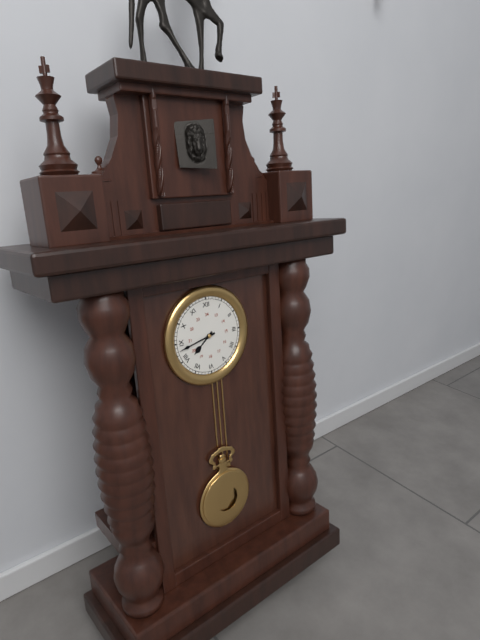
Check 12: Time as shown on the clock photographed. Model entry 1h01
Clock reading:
7h43
